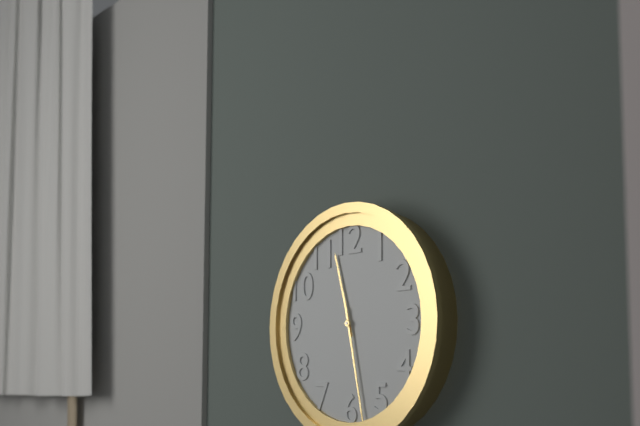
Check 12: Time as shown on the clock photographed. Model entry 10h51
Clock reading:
11h28
